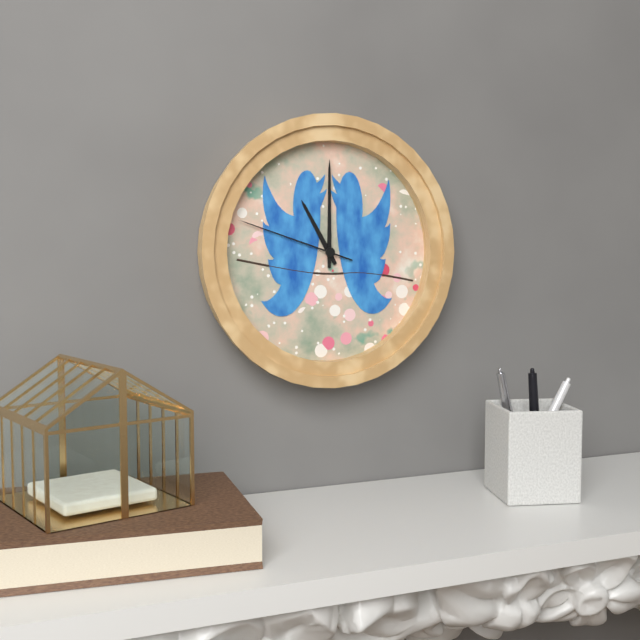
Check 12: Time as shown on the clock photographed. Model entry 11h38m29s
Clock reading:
11h00m48s
